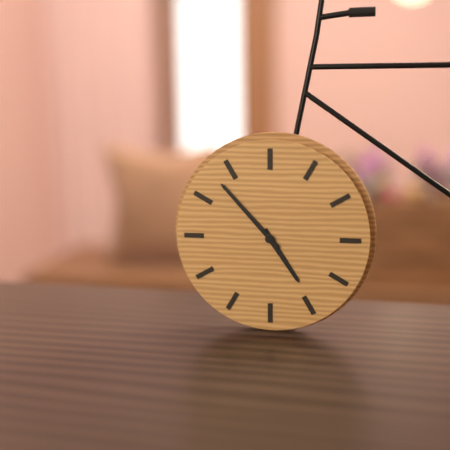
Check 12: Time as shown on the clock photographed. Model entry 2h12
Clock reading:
4h53
